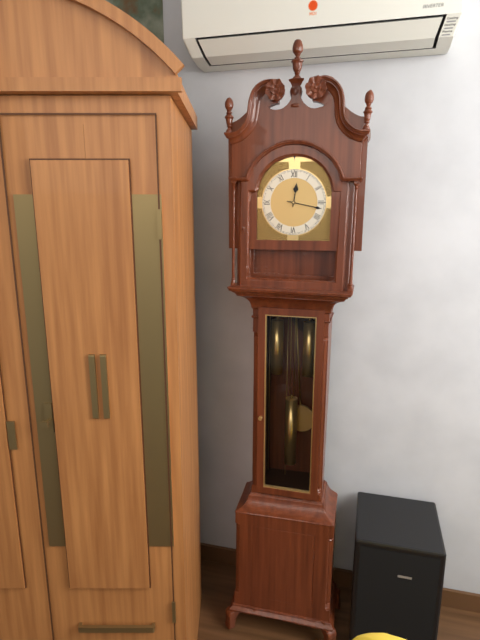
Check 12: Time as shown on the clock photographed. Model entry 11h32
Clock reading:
12h17
